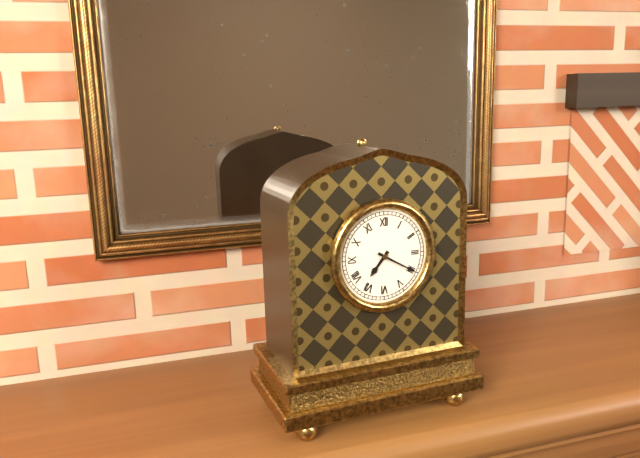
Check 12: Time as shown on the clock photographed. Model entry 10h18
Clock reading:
7h20
